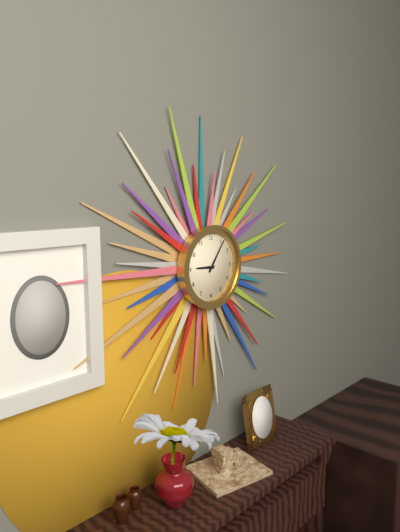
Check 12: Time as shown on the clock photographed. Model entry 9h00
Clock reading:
9h06
